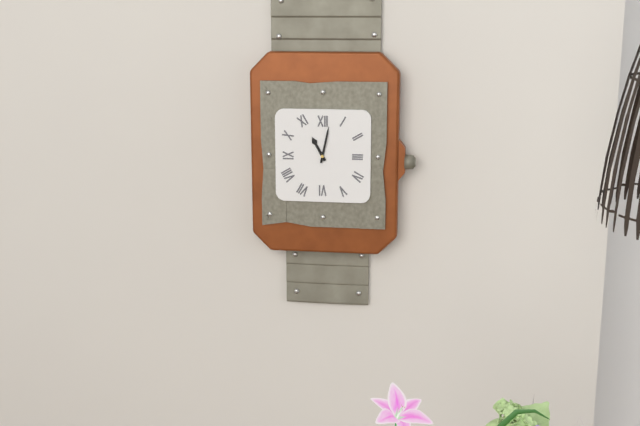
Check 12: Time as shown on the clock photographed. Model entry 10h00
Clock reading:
11h02
